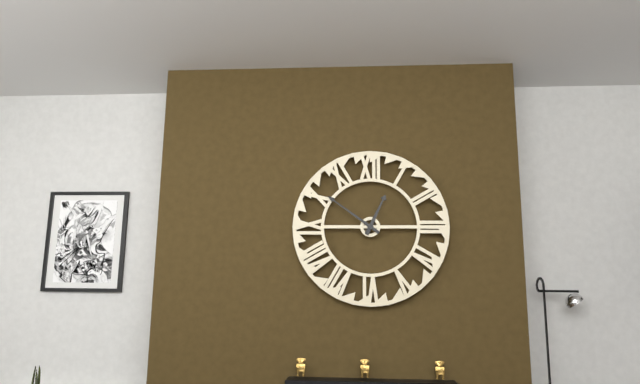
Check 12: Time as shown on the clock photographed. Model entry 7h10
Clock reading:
12h51
